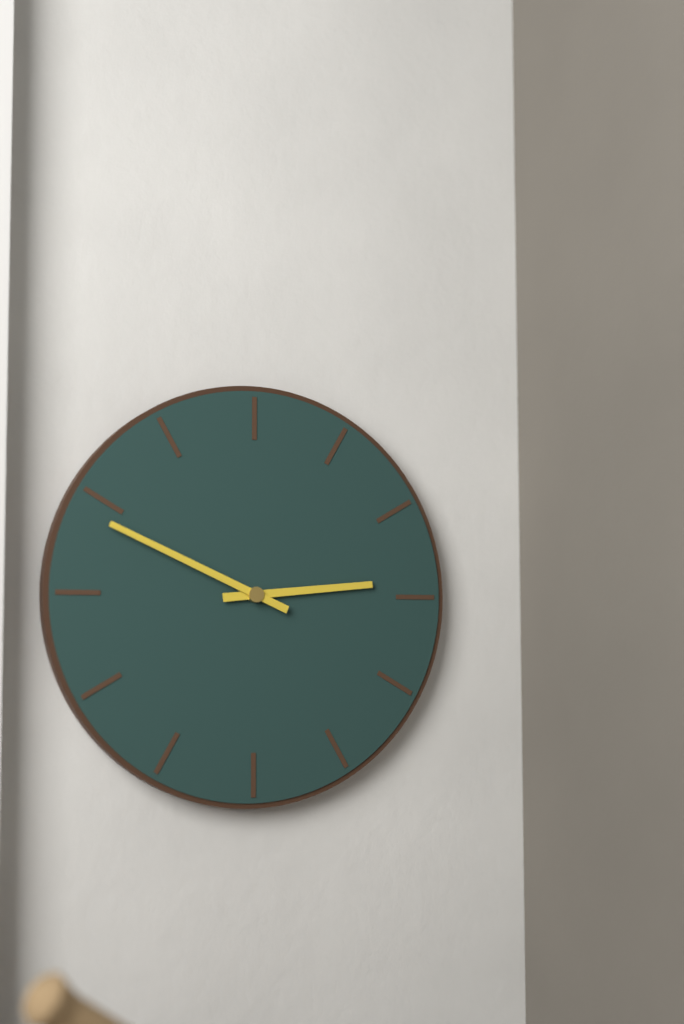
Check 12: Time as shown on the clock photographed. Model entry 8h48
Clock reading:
2h49
